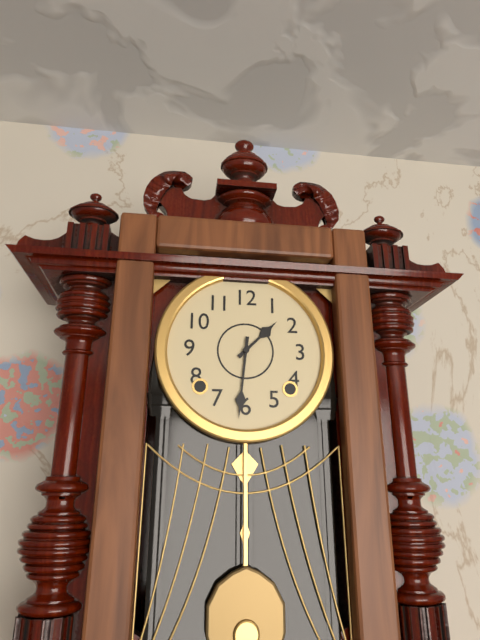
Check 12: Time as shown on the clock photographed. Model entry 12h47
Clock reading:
1h31
